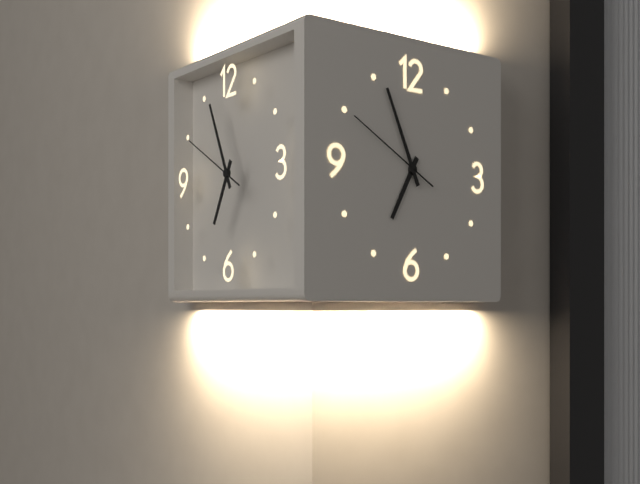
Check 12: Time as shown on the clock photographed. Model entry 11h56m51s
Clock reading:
6h56m50s
